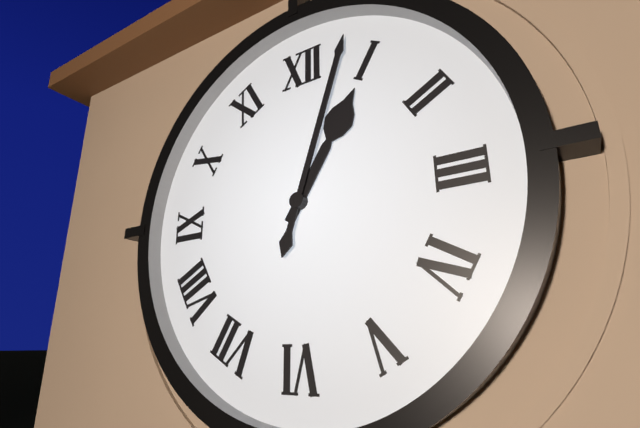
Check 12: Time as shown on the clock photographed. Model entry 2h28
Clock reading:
1h03
